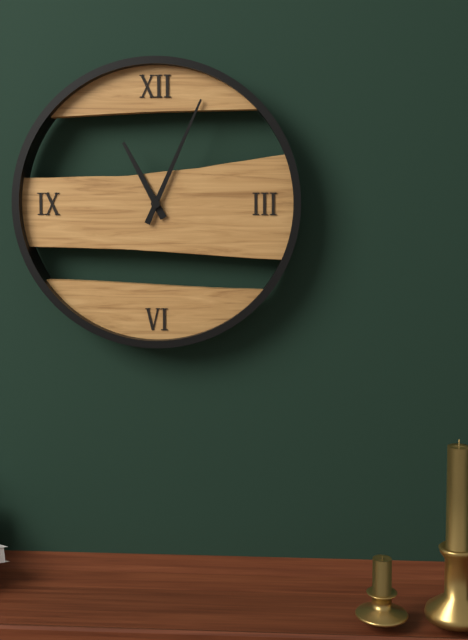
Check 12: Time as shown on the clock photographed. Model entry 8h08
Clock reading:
11h04
